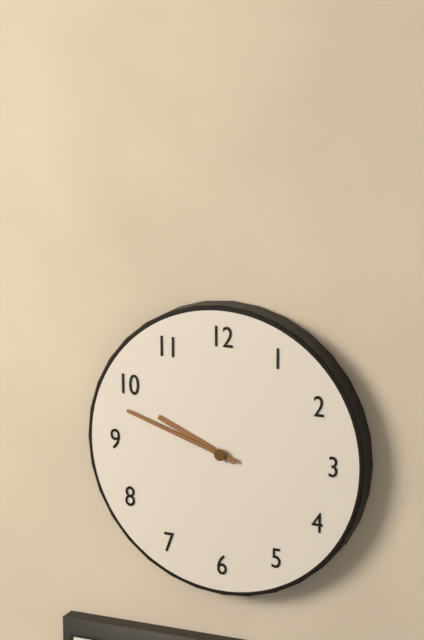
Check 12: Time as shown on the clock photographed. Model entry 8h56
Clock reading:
9h48
